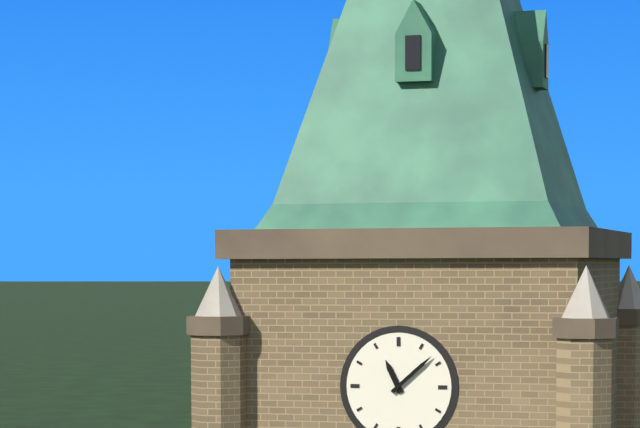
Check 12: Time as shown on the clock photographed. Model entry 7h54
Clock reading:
11h08
